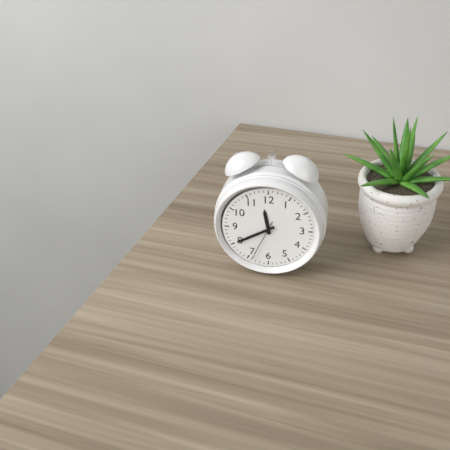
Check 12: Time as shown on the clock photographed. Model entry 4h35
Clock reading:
11h40
